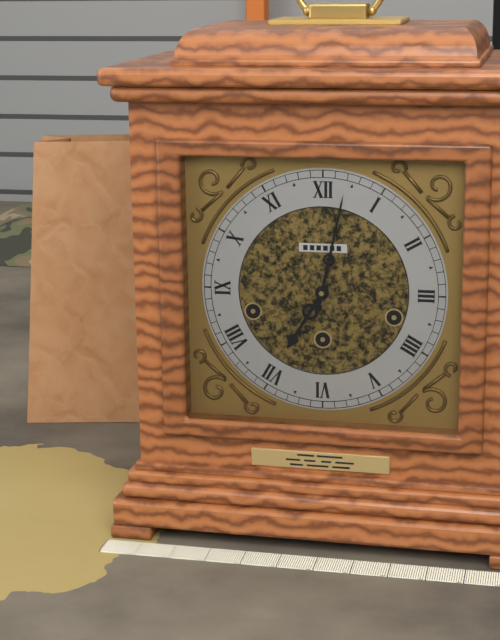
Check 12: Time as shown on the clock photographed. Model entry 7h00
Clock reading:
7h02
